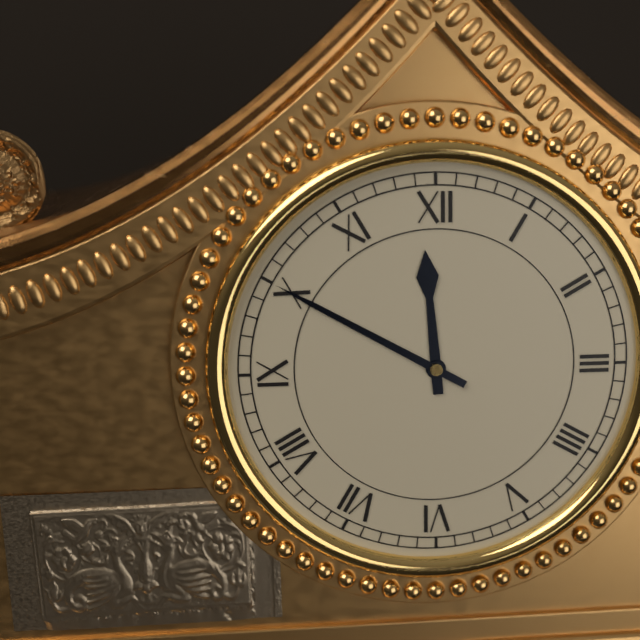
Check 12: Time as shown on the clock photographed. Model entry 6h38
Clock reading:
11h50
